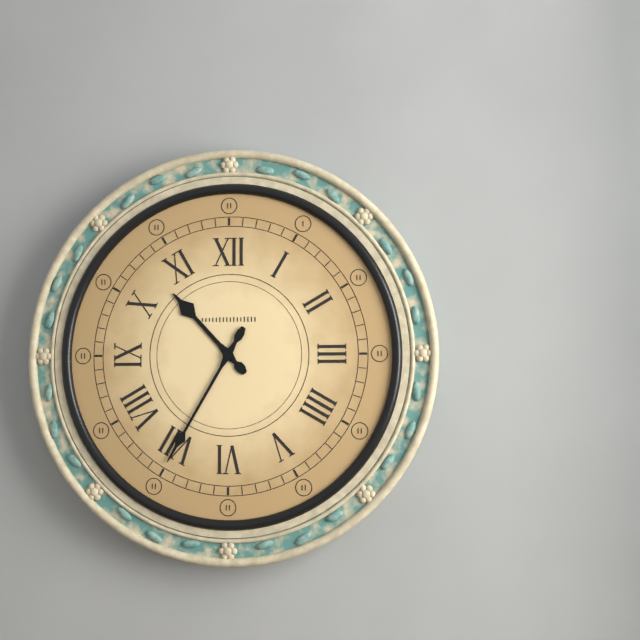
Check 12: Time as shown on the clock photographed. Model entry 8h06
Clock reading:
10h35
